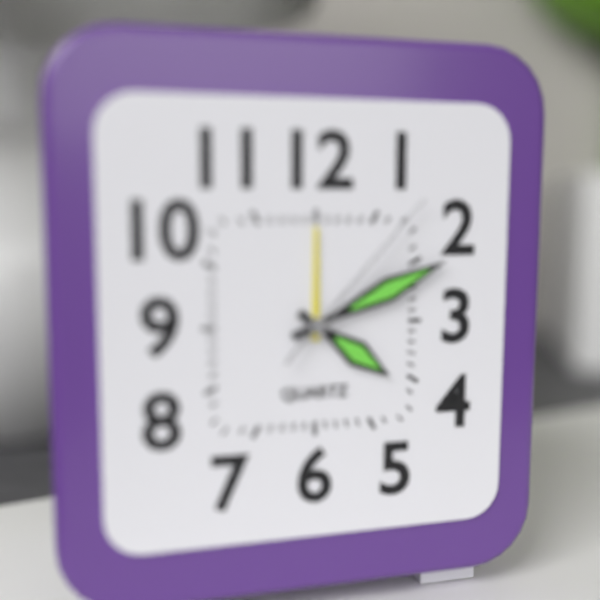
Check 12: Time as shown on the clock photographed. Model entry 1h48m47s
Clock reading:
4h11m07s
